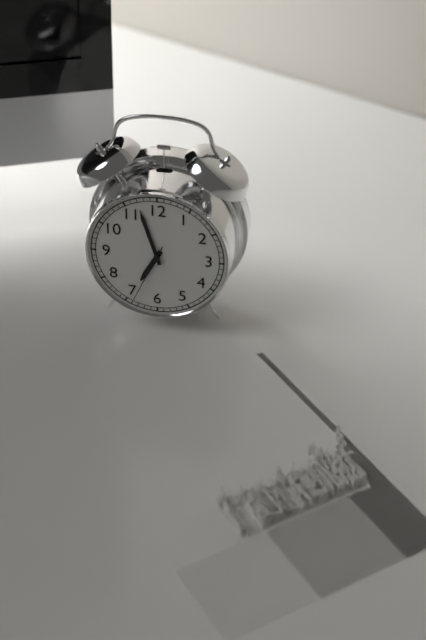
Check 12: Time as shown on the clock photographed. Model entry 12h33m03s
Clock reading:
6h57m34s
